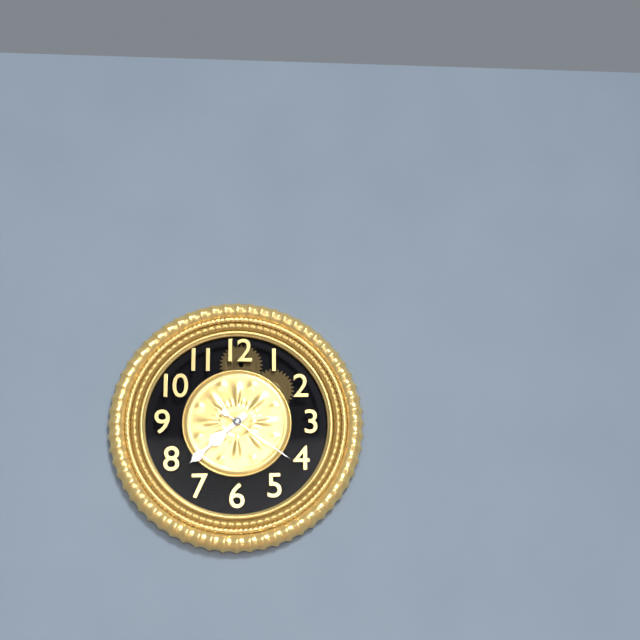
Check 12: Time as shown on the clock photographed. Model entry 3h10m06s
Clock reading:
7h38m21s
